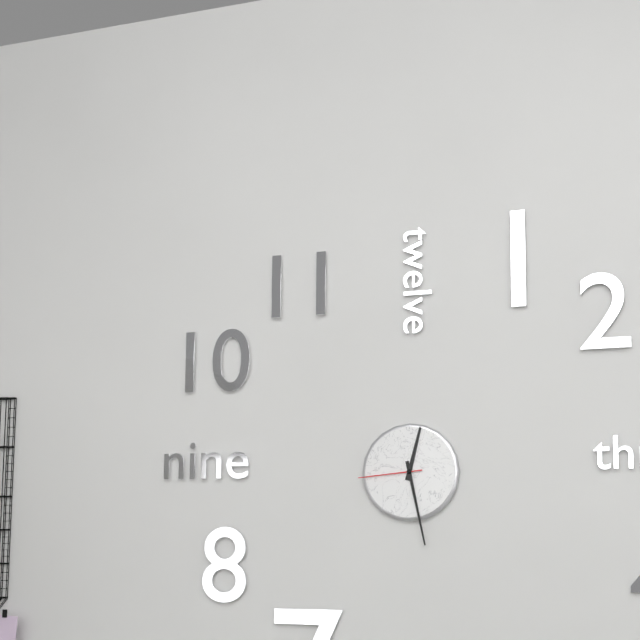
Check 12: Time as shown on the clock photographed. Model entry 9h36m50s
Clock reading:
12h28m44s
